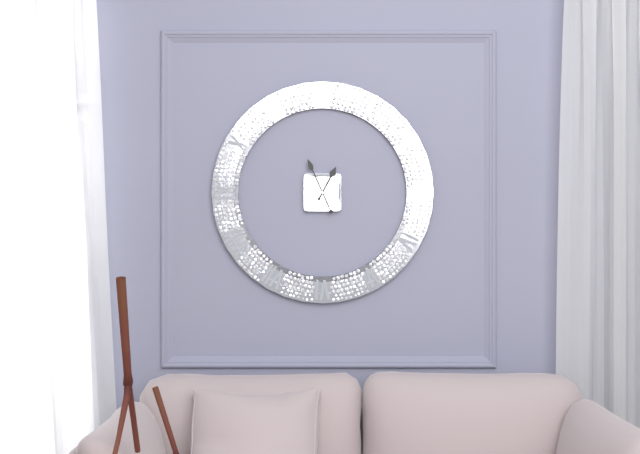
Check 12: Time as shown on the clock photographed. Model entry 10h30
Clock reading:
12h56
